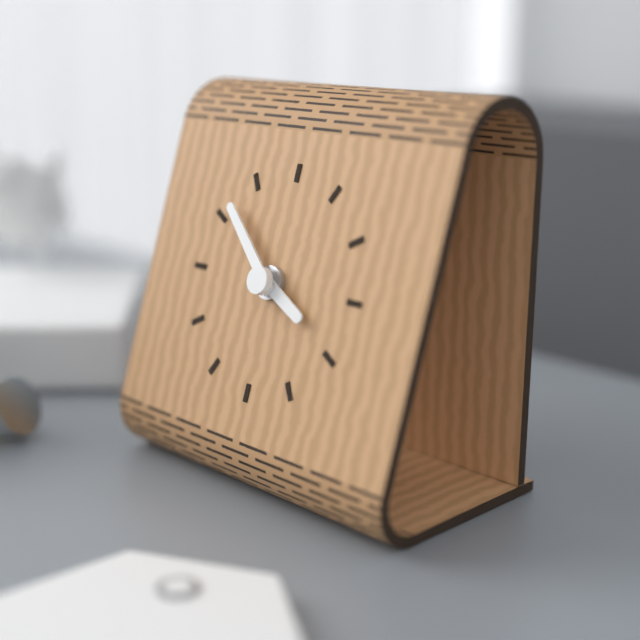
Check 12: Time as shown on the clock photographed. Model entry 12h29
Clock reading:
3h52
